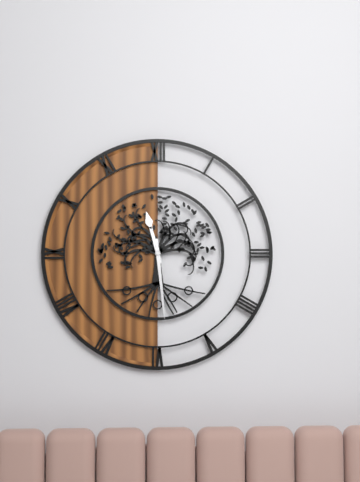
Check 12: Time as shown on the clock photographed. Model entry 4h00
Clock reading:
11h29
